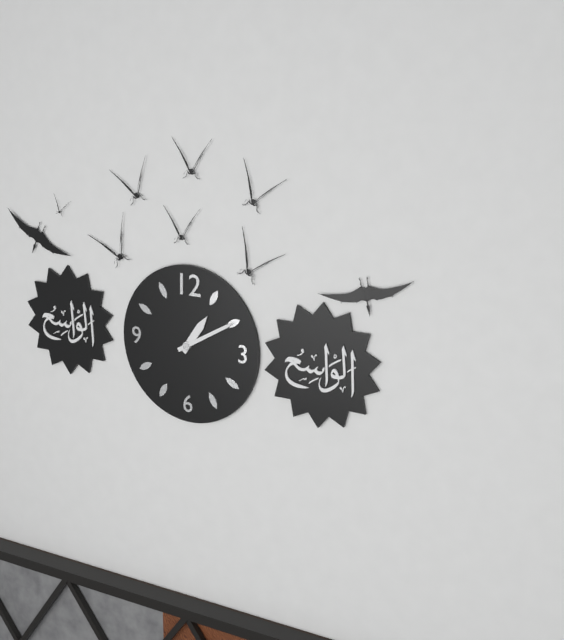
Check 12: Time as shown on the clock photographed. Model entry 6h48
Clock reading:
1h10
